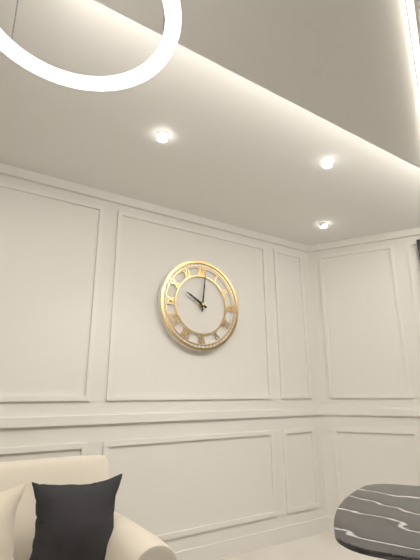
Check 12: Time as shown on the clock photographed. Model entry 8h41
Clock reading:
10h01
